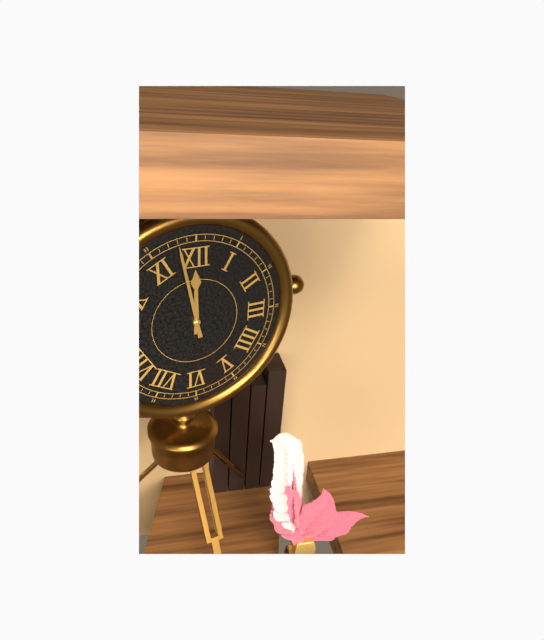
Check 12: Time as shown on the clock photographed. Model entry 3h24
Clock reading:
11h58
